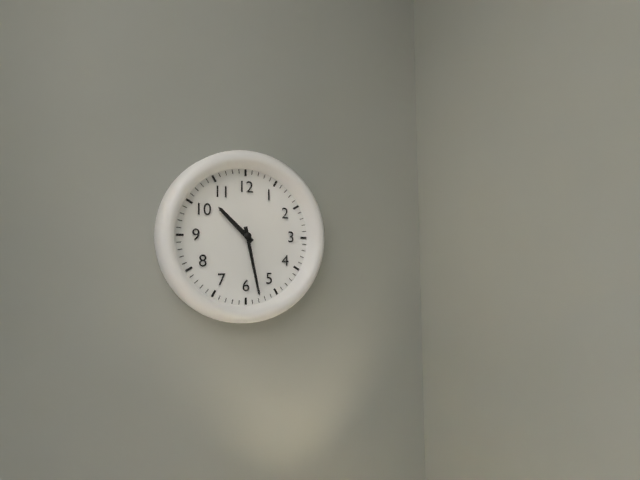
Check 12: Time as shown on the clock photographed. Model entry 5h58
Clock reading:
10h28
